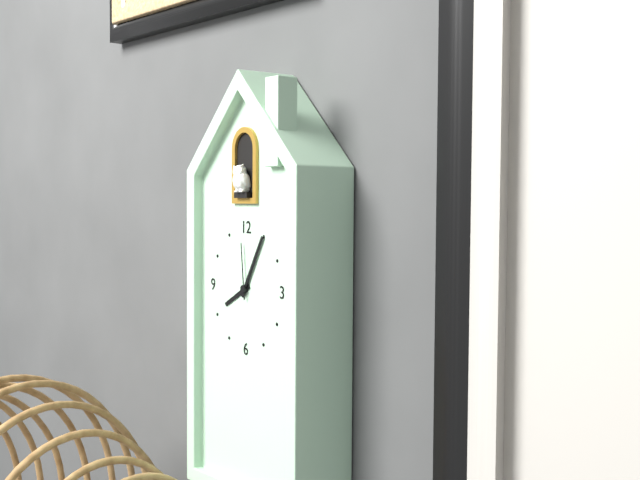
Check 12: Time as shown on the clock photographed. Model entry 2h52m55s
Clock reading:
8h05m59s
